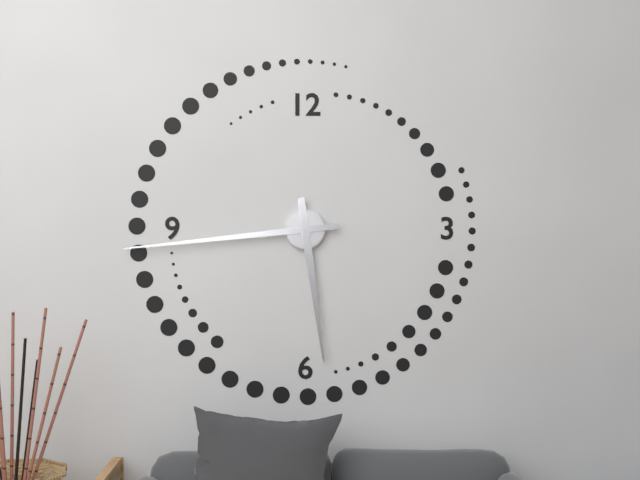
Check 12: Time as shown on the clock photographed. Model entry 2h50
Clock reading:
5h44
